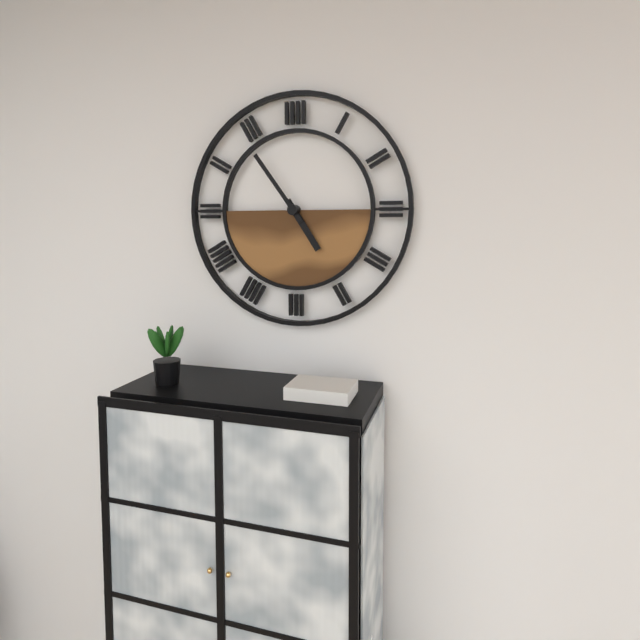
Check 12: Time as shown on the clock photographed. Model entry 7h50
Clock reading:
4h54
